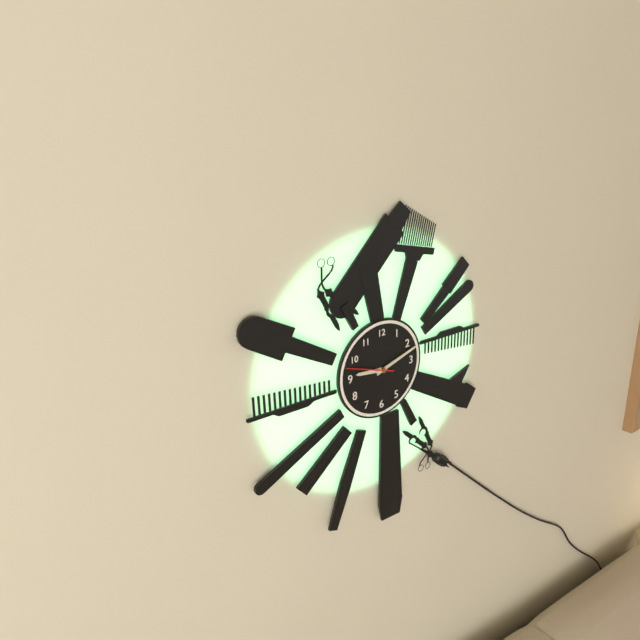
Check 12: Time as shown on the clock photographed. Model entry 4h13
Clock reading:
9h12
